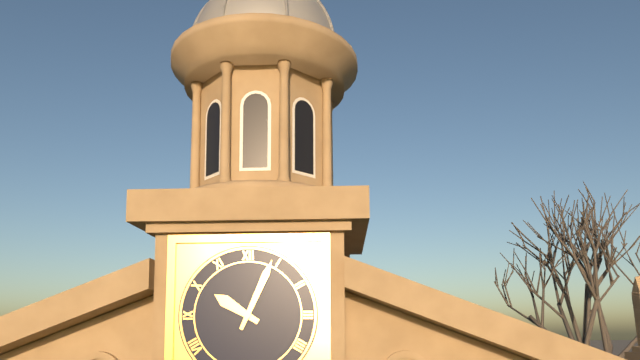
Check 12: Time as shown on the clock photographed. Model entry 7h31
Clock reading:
10h04
